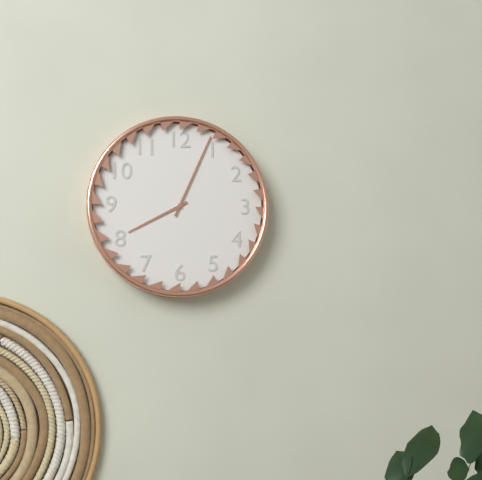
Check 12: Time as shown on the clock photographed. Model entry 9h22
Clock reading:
8h04
